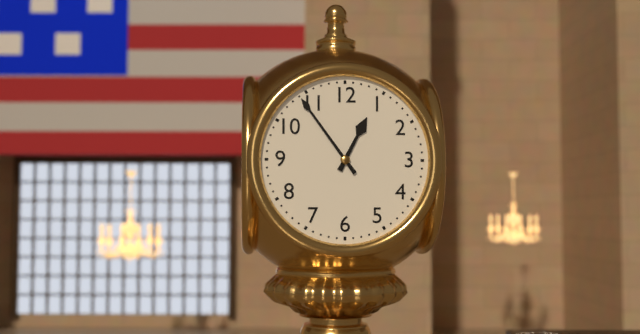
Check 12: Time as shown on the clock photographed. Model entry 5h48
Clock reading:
12h54
